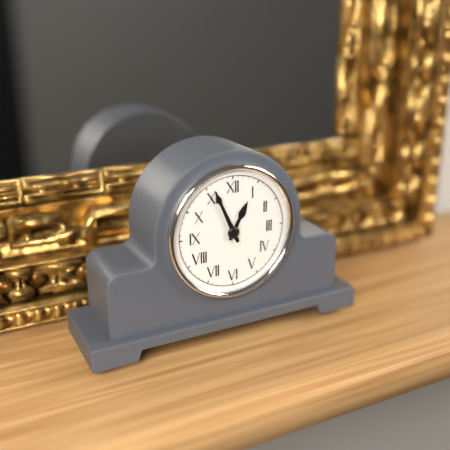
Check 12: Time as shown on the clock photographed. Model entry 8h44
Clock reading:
12h56
